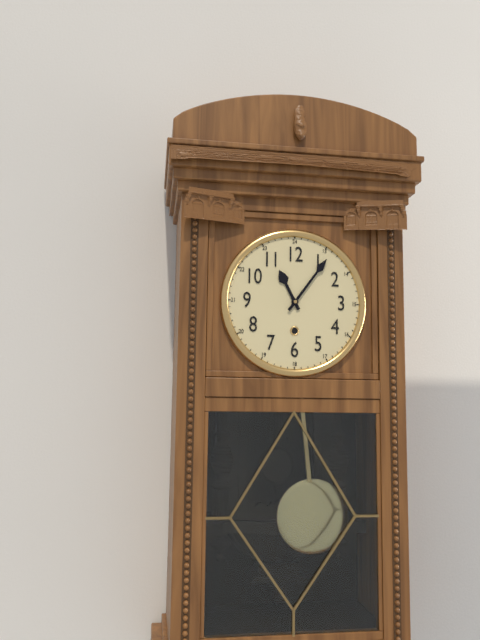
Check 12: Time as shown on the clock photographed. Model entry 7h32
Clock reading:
11h06
